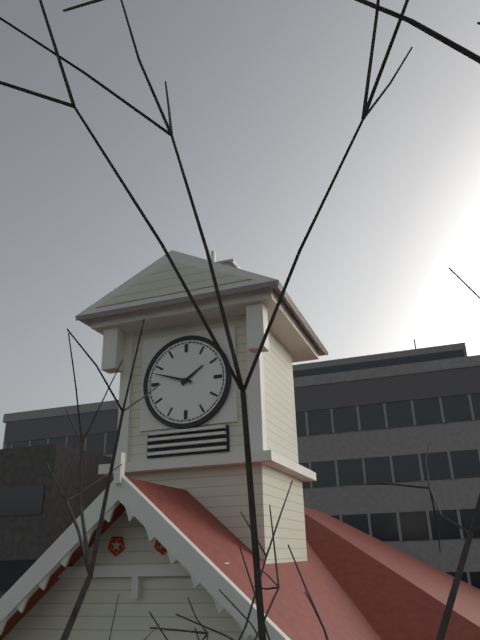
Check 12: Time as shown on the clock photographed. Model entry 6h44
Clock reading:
1h48
